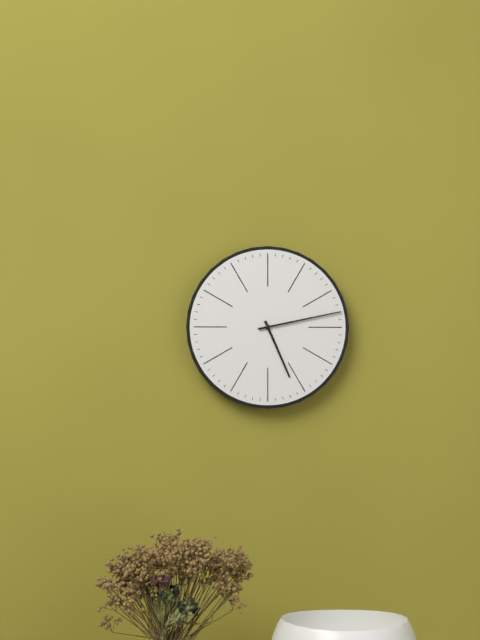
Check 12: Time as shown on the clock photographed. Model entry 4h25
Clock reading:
5h13
